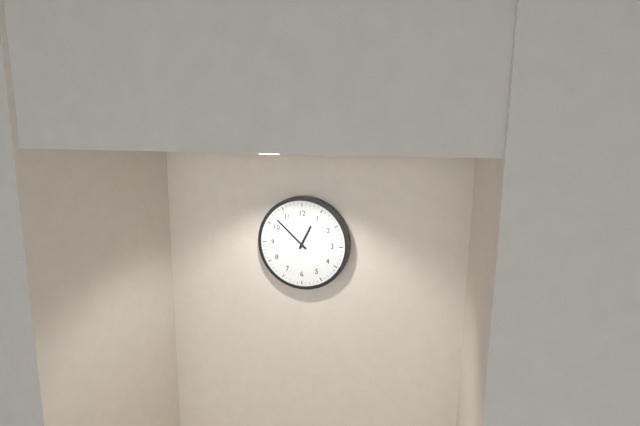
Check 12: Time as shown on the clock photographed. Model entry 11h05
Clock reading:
12h52
